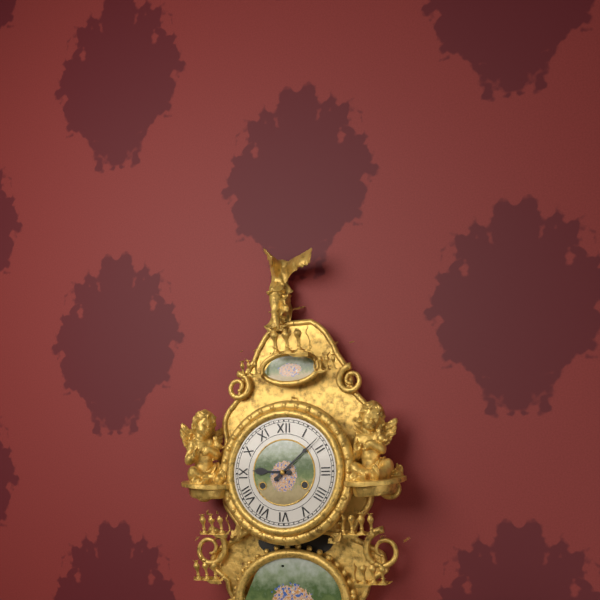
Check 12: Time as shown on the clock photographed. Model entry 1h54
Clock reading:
9h08
